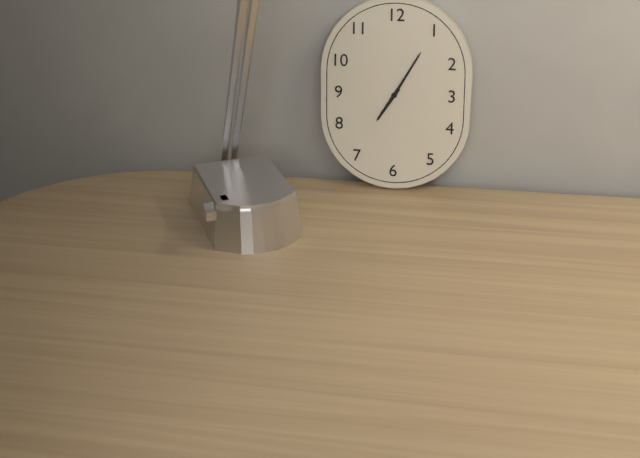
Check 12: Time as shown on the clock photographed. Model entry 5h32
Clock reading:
7h05
